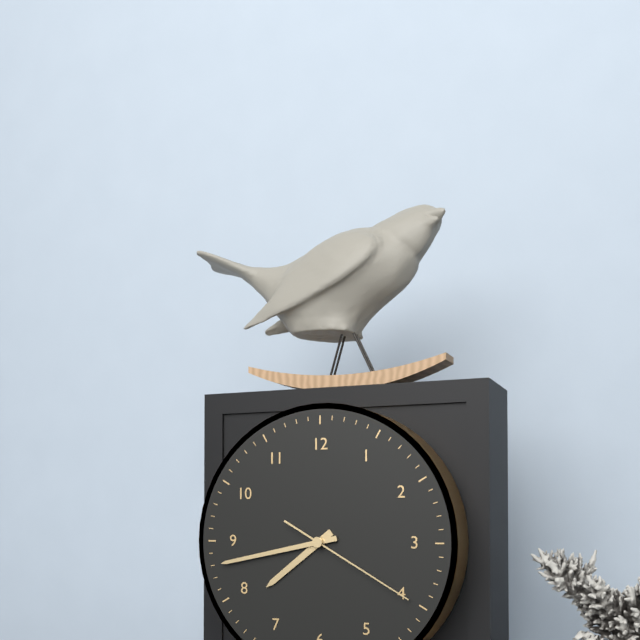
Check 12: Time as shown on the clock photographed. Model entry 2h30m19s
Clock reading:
7h43m20s
